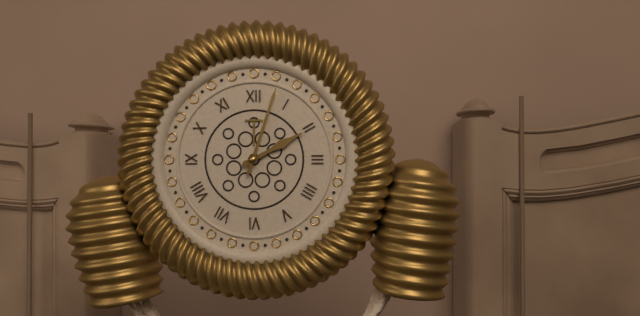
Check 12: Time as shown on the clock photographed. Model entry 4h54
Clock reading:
2h03
